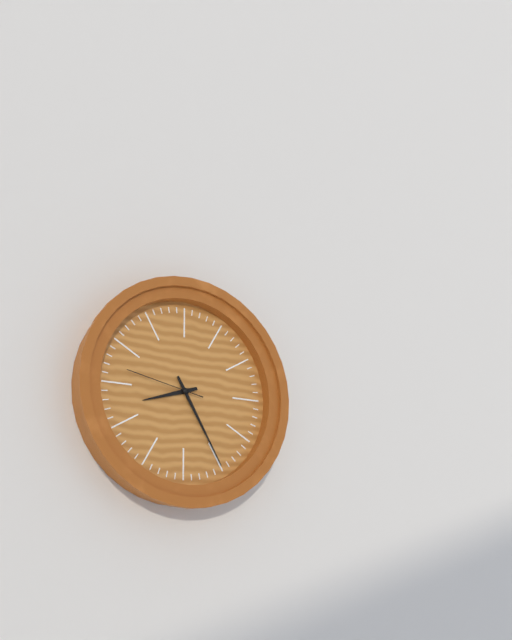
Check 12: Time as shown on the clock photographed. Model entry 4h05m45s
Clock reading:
8h25m47s
